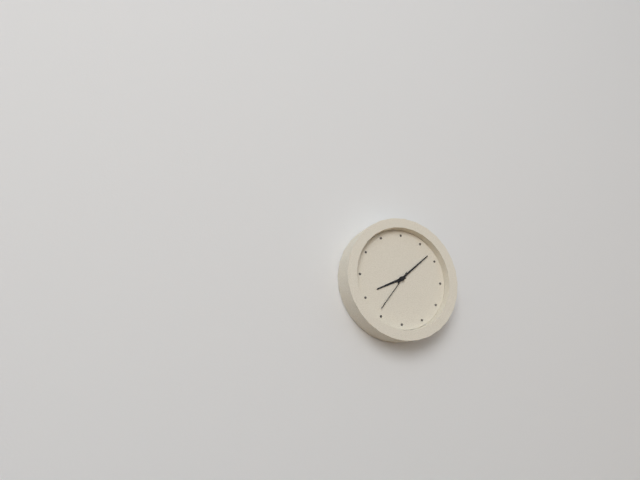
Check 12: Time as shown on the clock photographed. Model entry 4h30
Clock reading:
8h08
